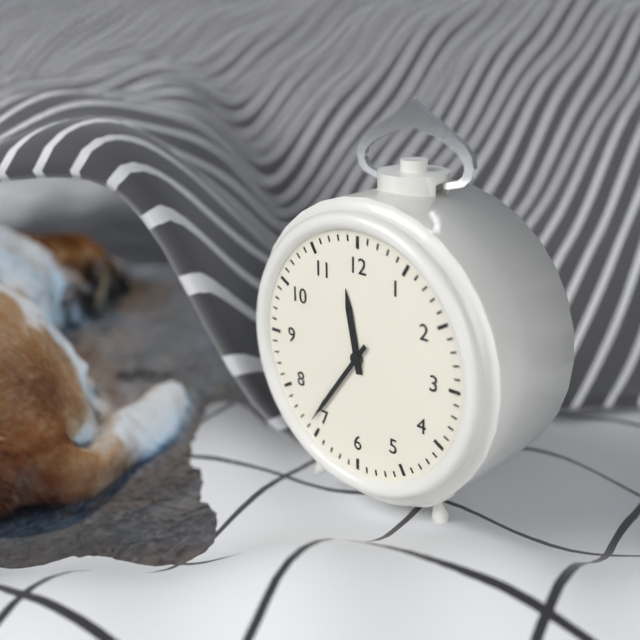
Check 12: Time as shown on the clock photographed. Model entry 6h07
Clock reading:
11h36
